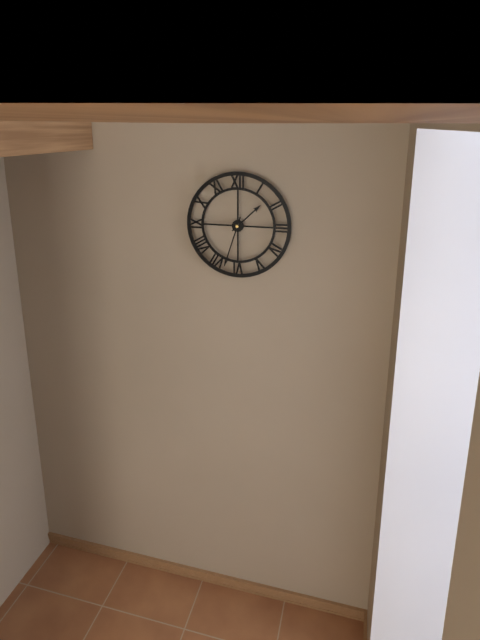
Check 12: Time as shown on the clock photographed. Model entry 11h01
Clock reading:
1h33
